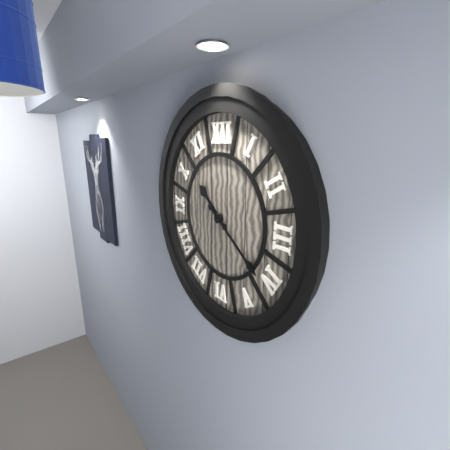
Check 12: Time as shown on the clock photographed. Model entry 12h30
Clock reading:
10h21
